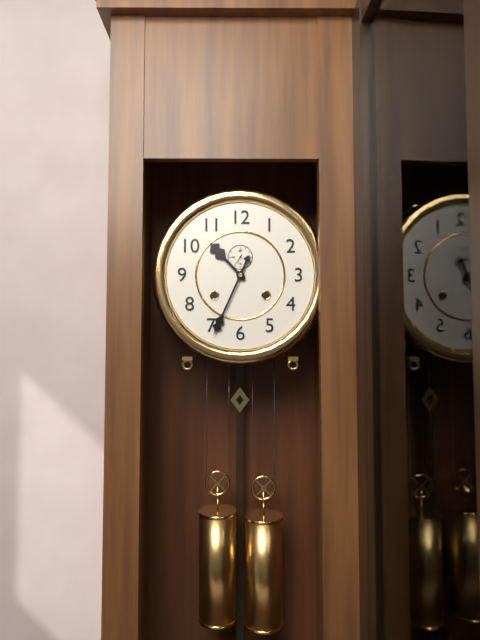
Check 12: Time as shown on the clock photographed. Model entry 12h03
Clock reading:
10h34
